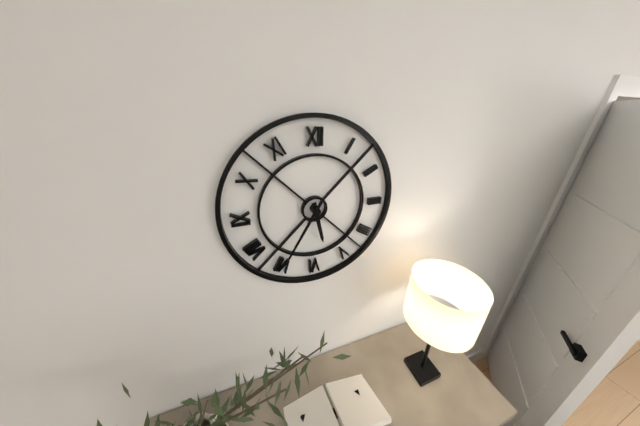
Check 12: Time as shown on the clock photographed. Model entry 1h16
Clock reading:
5h35
